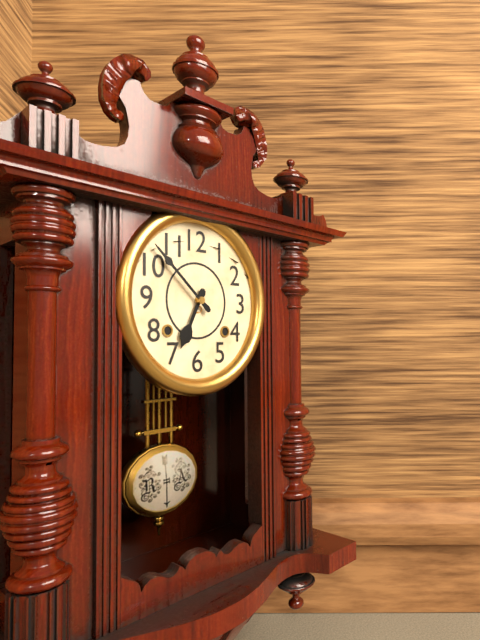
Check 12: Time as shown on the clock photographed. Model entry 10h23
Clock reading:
6h52
